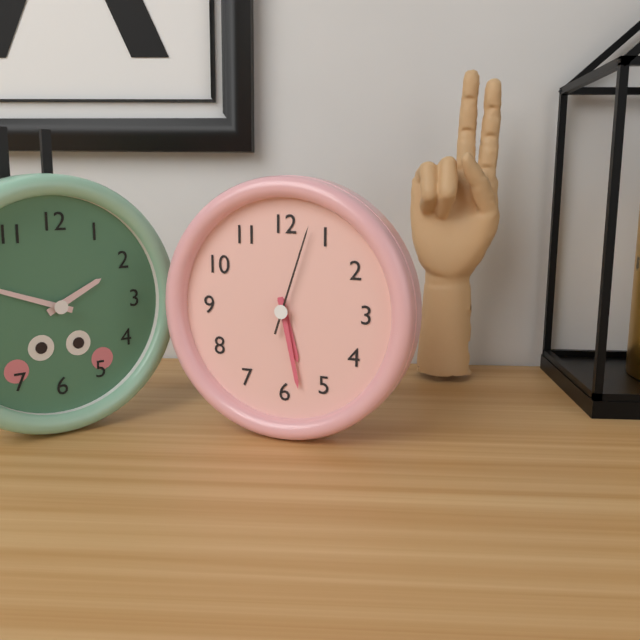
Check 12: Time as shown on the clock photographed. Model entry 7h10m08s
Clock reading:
5h28m03s
